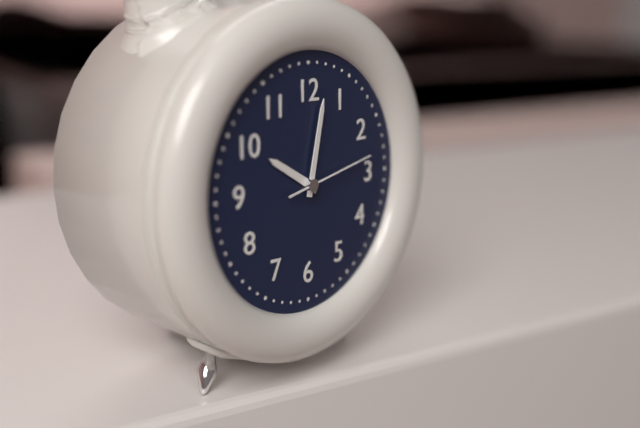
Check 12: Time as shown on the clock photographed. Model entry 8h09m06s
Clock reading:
10h02m13s
